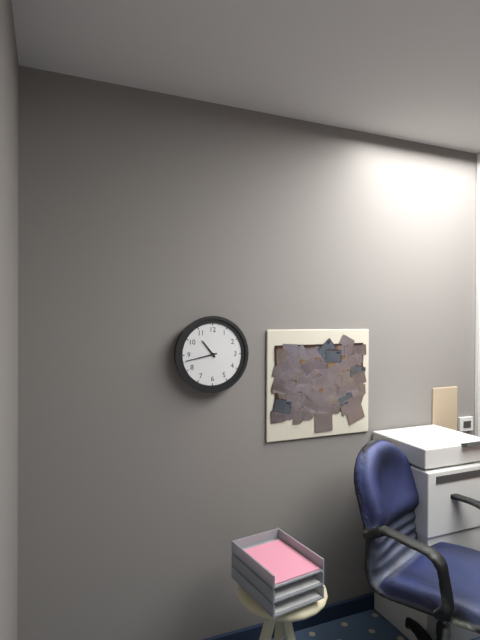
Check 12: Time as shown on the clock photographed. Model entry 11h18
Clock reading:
10h43
